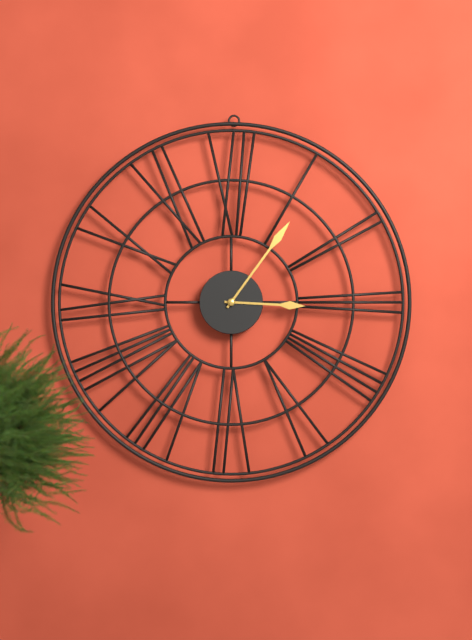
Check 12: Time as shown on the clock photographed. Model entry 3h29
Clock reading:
3h06
